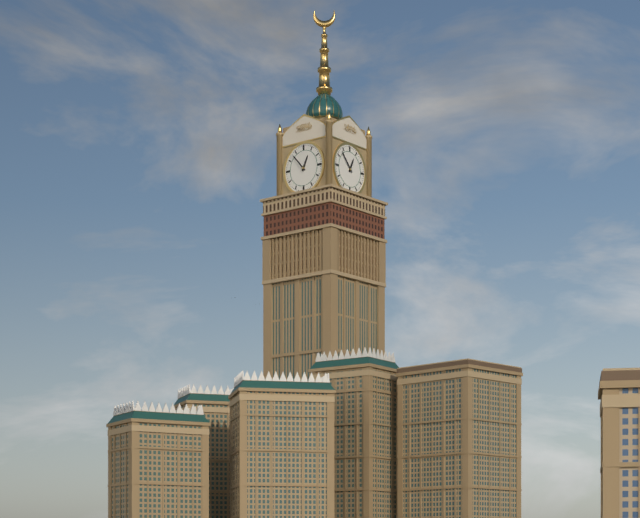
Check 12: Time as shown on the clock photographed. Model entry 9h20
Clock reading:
12h53
